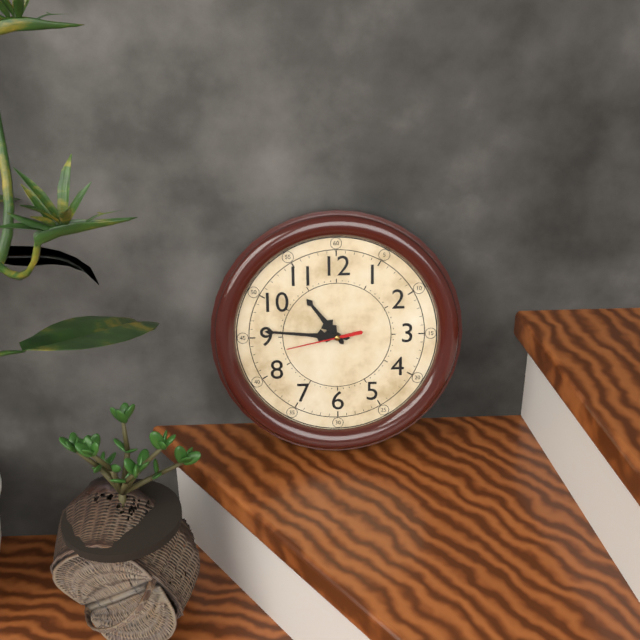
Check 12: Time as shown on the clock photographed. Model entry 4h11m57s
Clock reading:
10h46m43s
